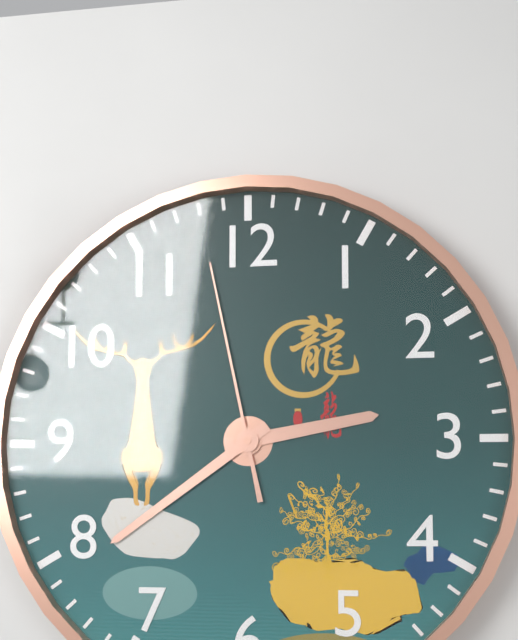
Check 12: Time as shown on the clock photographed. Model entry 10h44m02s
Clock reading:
2h39m58s
